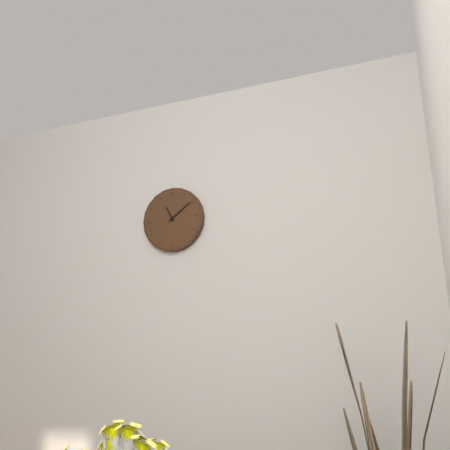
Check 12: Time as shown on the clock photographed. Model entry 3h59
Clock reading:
11h09
